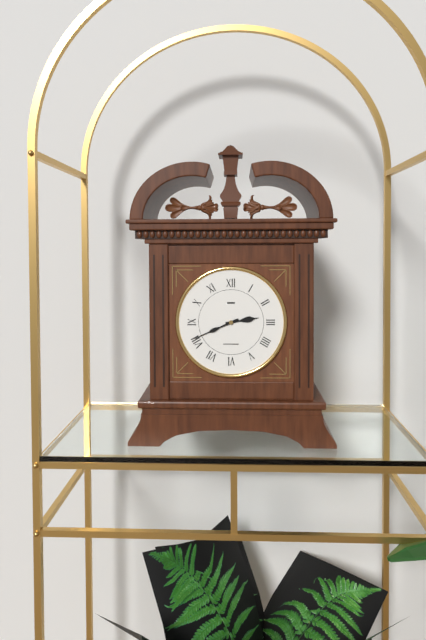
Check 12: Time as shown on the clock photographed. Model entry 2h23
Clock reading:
2h41
